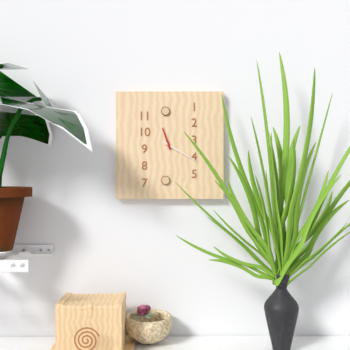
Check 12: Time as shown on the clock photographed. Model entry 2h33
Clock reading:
11h20
